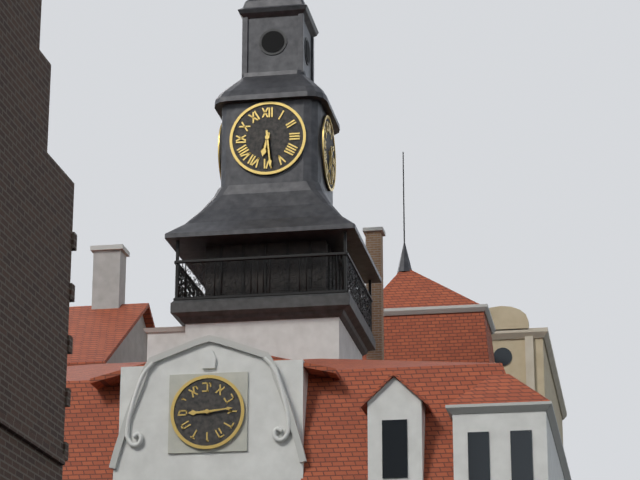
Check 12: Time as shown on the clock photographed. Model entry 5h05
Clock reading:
6h29
